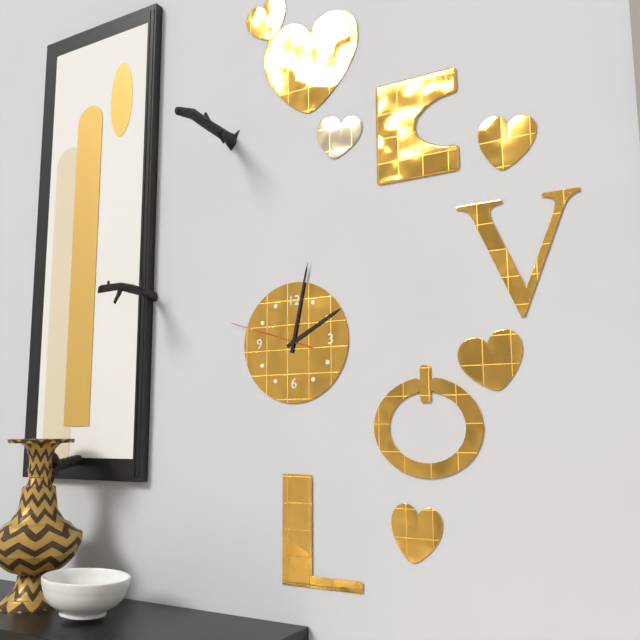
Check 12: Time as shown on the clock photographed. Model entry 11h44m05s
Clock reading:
2h02m48s
